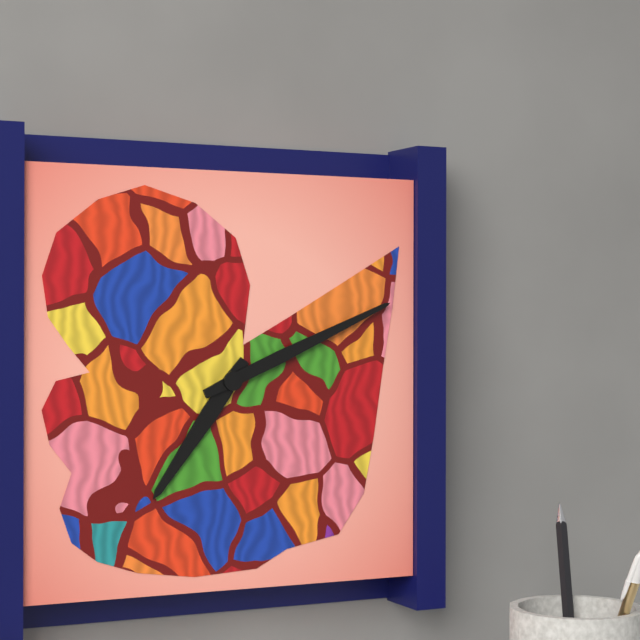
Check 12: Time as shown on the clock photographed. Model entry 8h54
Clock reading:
7h11
